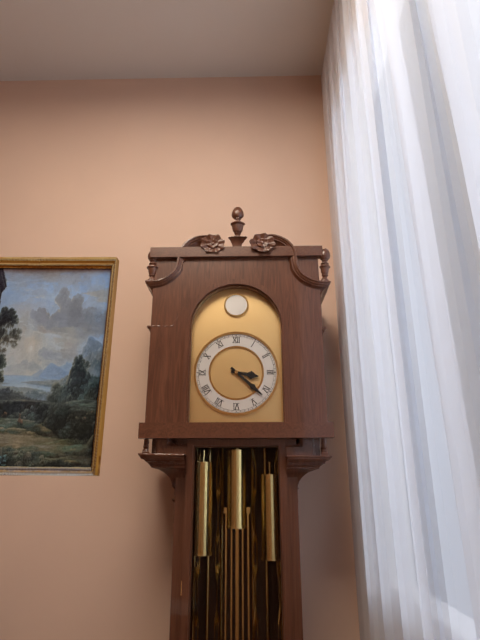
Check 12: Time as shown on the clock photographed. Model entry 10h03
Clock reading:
3h22
